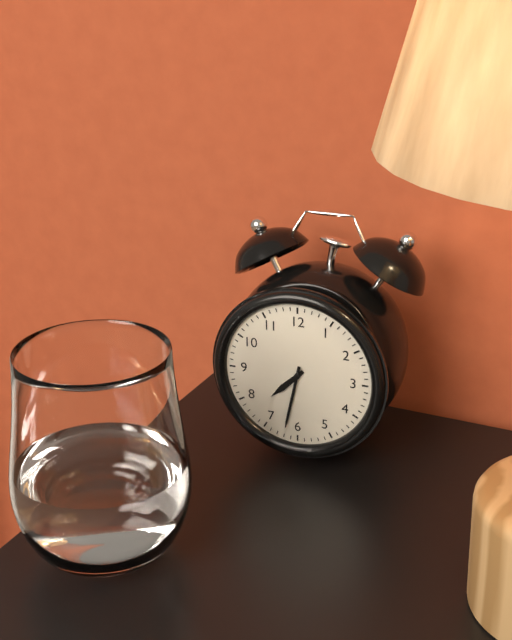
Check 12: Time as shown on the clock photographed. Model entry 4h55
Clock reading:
7h32
